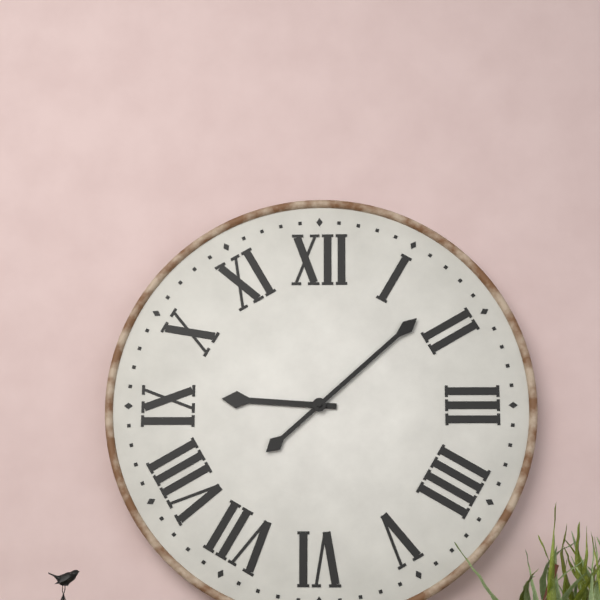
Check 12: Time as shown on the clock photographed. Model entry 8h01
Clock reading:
9h08
